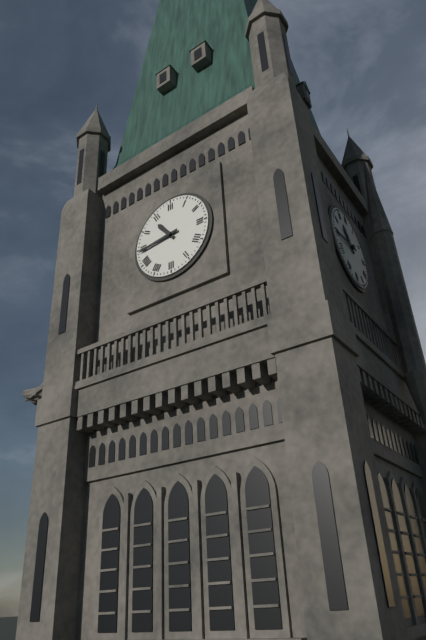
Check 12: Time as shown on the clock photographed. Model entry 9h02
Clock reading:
10h44
